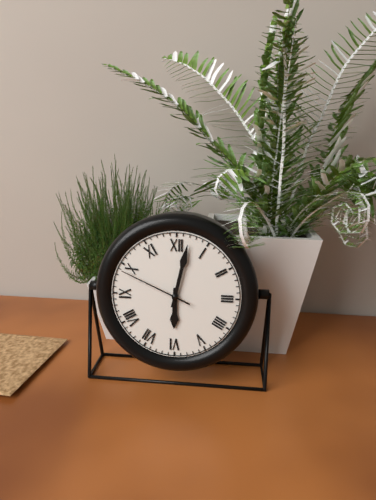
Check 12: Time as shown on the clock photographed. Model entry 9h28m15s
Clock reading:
6h02m49s
